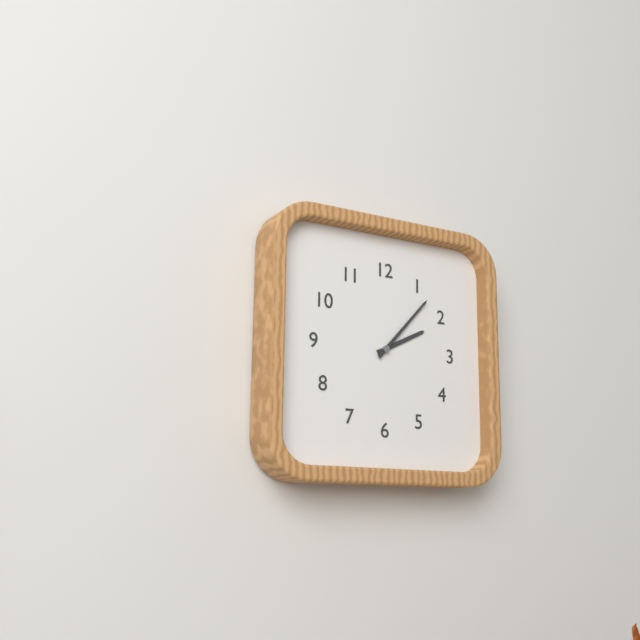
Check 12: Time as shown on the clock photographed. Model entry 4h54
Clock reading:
2h07
